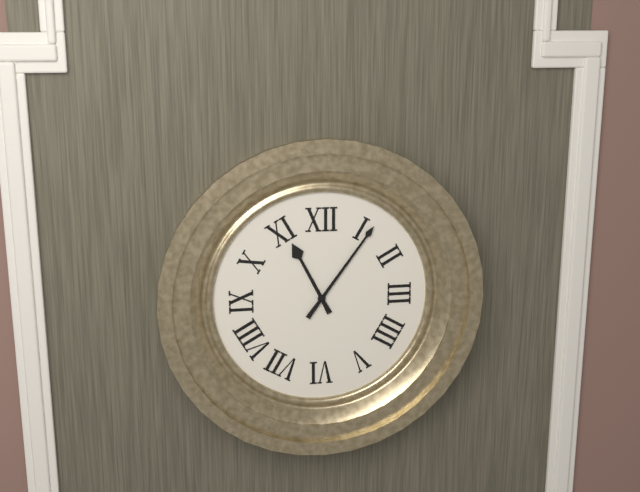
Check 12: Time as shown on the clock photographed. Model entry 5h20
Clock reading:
11h06
